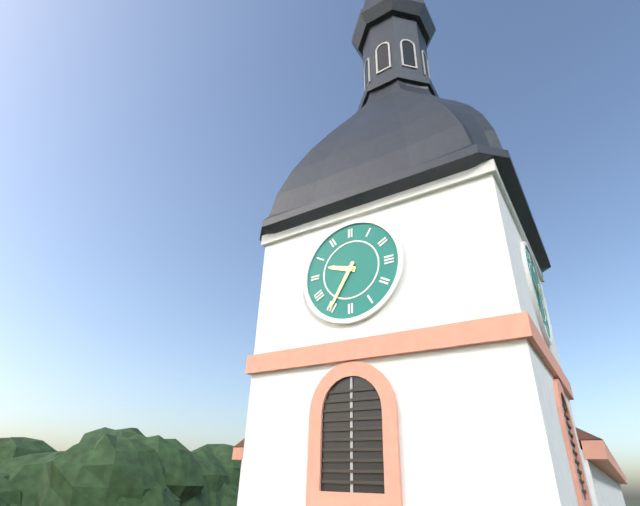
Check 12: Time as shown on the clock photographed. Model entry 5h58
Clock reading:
9h35
